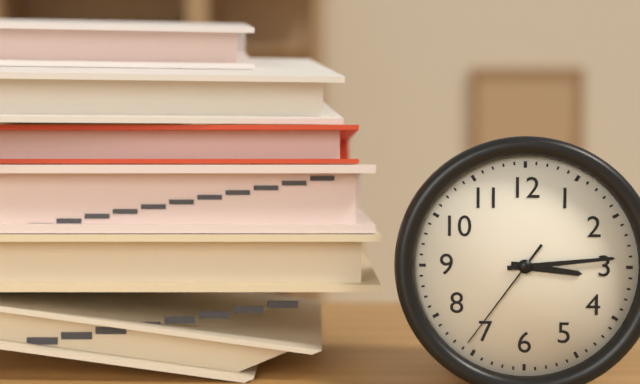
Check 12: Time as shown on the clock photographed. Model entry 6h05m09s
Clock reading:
3h14m36s
